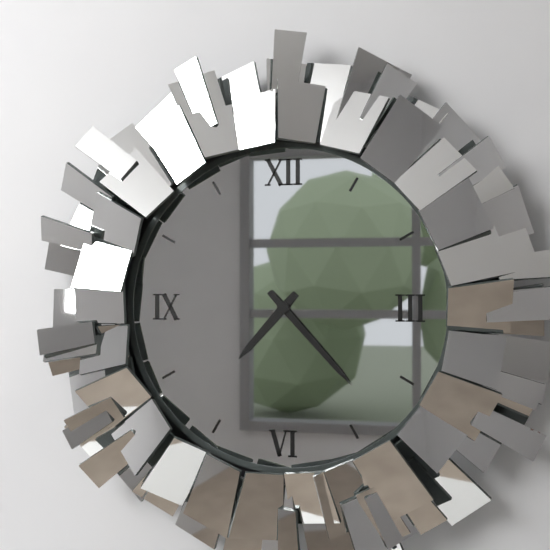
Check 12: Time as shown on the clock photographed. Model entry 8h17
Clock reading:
7h23
